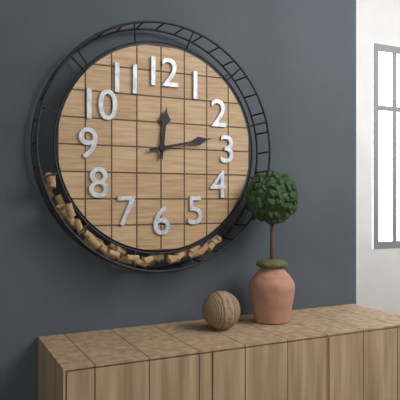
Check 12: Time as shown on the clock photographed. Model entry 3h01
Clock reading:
12h13
